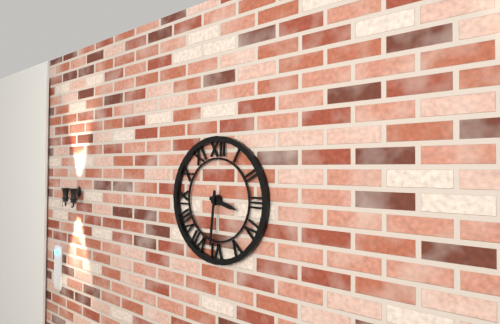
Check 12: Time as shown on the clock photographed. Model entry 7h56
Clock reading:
3h31
